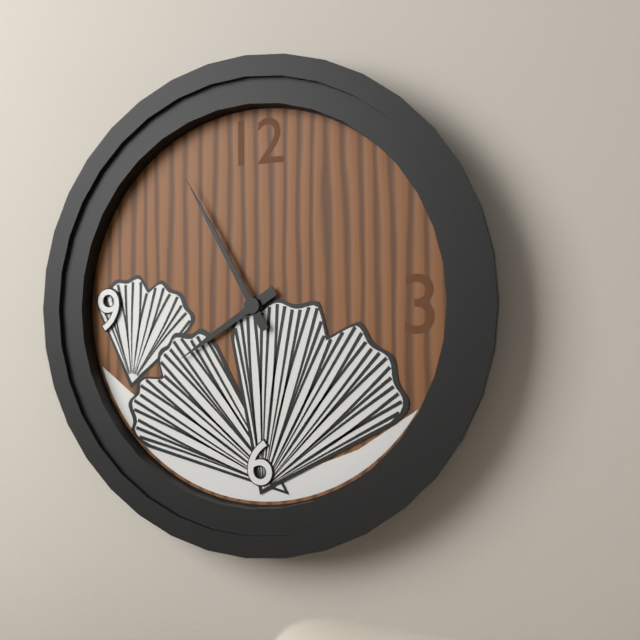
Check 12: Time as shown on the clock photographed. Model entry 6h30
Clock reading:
7h55
